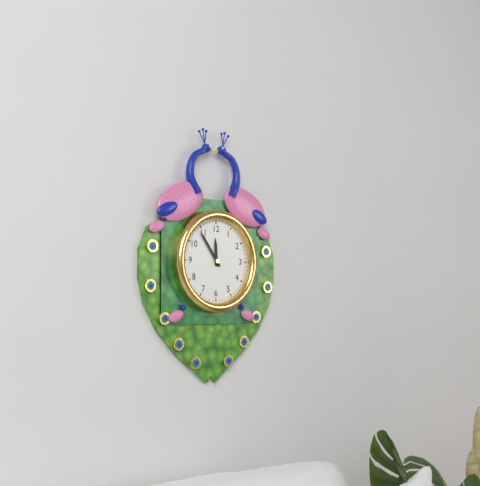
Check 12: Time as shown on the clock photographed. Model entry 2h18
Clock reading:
11h54
